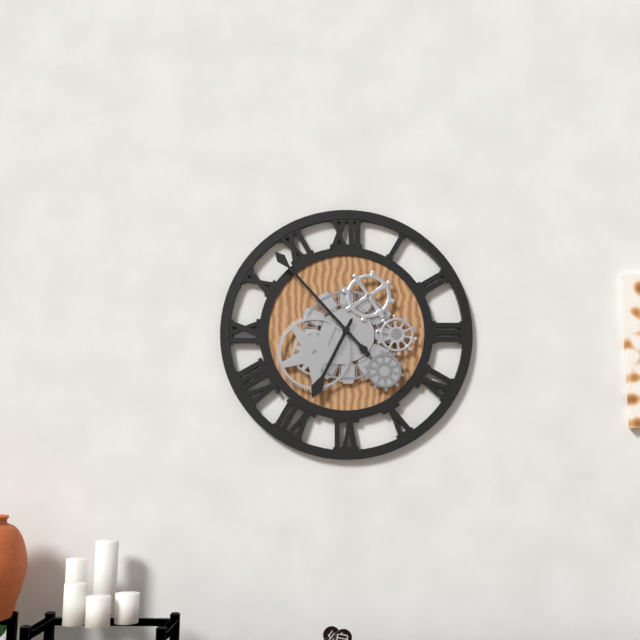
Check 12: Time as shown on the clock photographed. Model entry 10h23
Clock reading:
6h53
